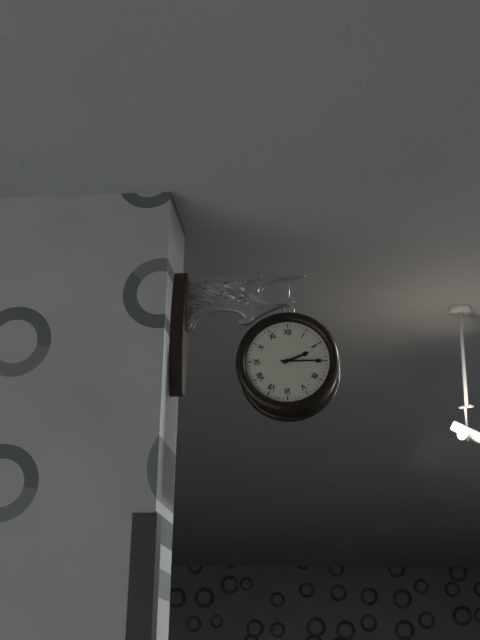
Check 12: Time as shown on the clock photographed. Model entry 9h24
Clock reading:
2h15
